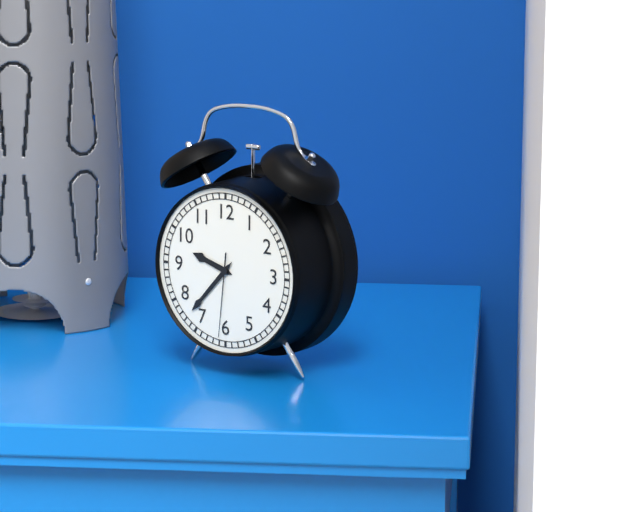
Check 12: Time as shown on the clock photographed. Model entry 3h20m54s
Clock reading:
9h37m31s
